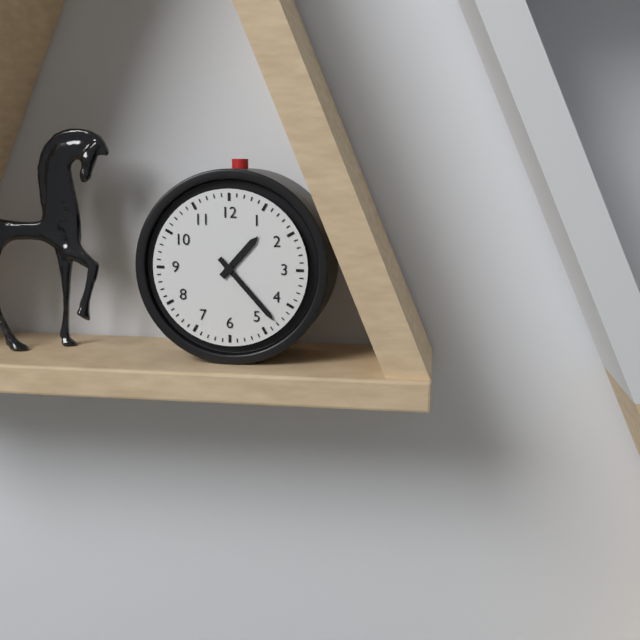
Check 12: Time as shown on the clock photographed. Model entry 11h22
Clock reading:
1h23
